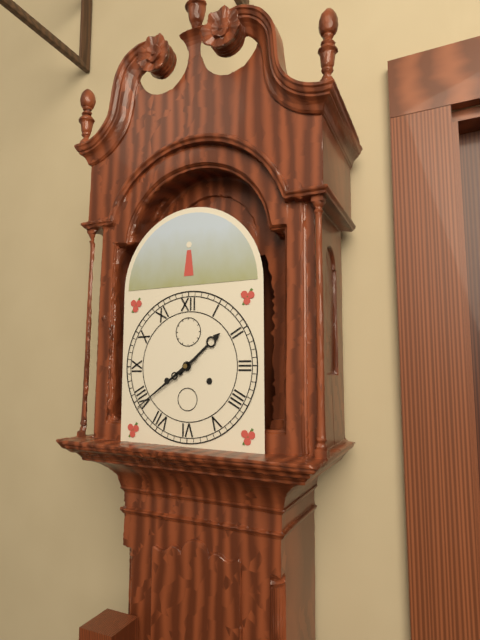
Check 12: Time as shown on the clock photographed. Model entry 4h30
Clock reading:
1h39
